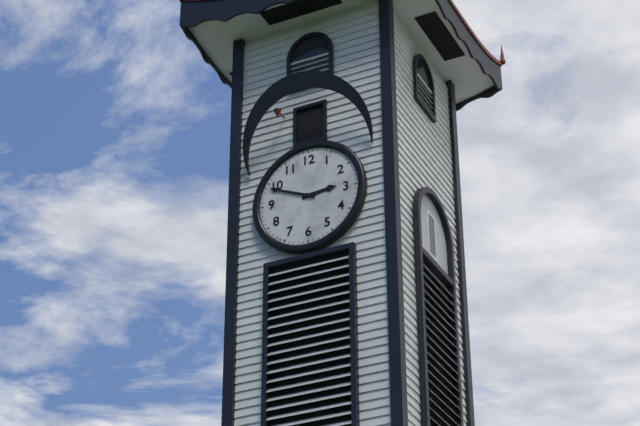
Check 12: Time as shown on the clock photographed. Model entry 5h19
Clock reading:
2h49
